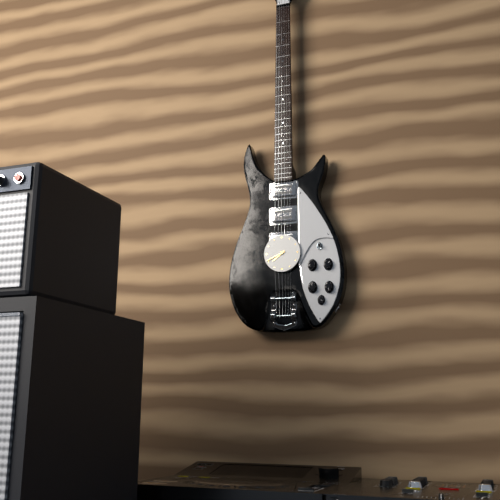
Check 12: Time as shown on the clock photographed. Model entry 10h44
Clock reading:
7h41
